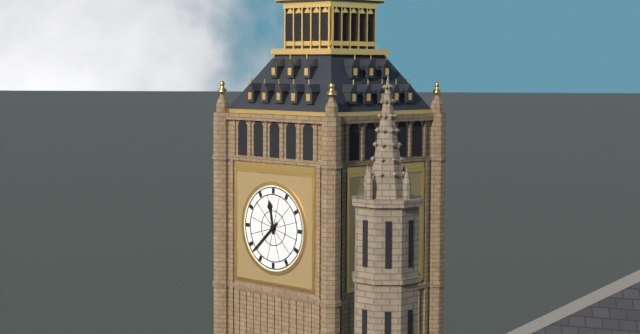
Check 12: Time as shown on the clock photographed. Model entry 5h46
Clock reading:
11h38
